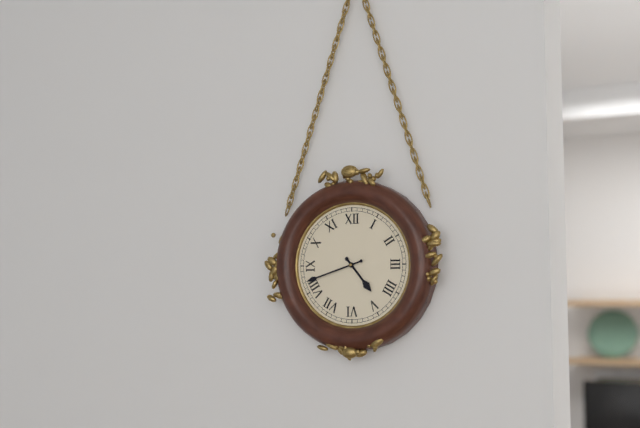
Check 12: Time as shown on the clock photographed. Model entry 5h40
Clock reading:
4h42
